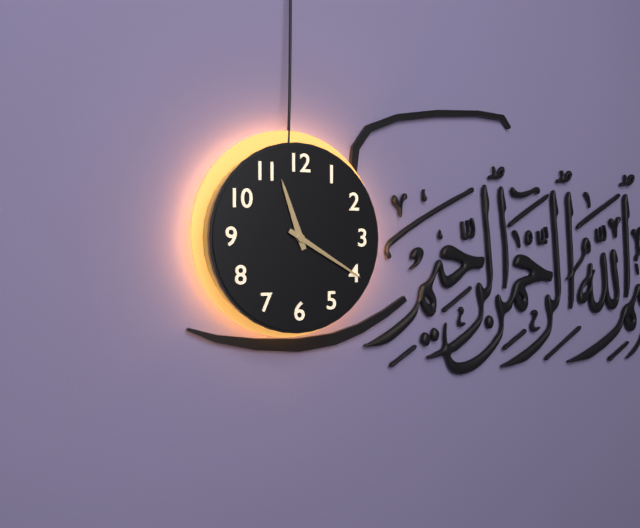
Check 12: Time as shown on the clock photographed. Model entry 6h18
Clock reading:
11h20
